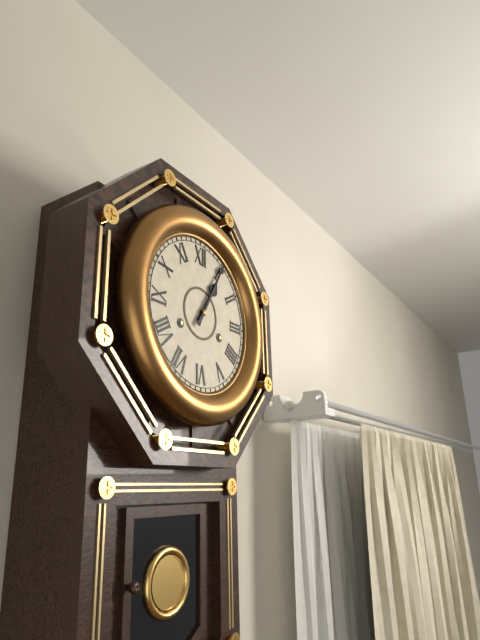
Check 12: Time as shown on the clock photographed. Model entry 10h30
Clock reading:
1h05
